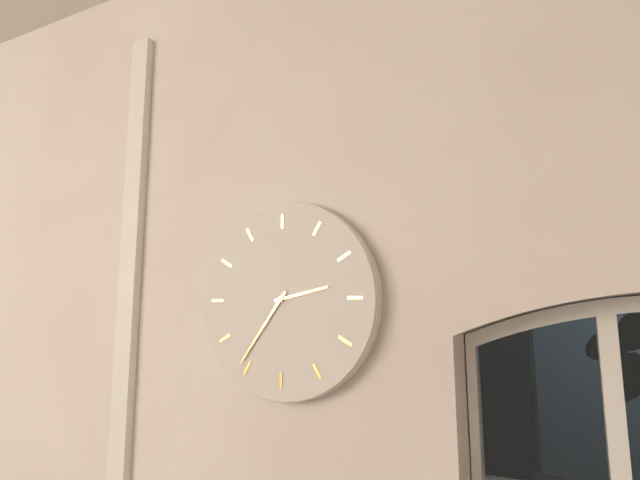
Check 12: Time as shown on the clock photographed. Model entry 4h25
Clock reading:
2h36
